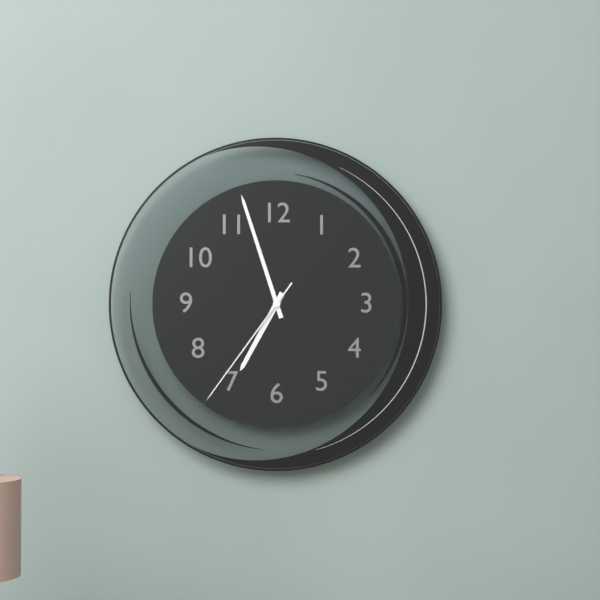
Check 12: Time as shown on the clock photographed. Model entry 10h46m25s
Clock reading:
6h57m36s
